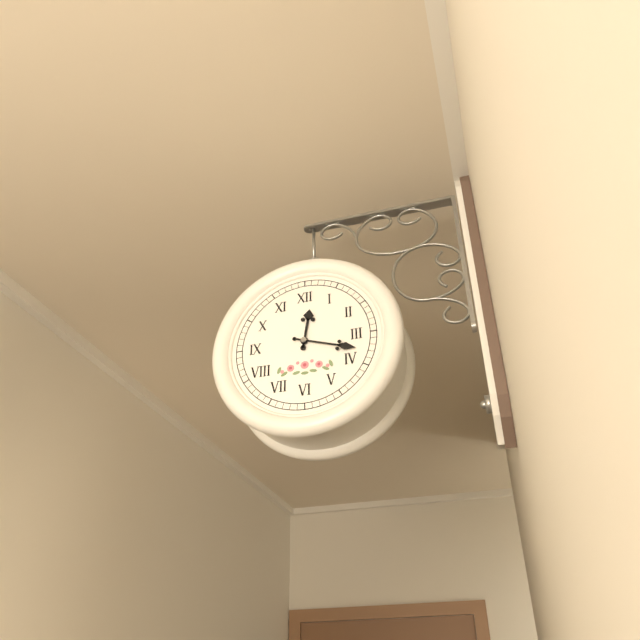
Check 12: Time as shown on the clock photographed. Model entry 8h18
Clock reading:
12h18
